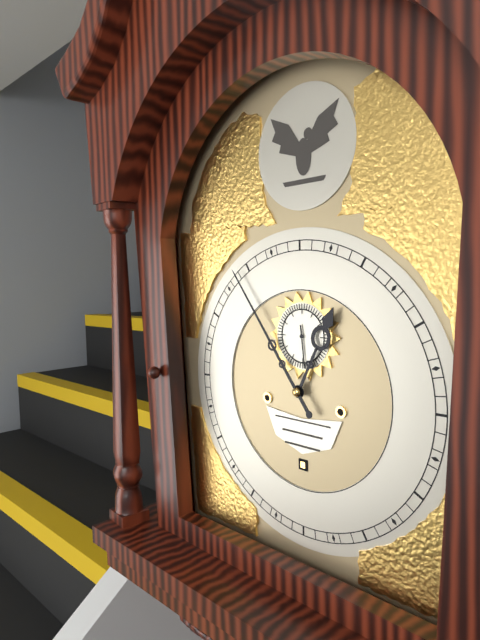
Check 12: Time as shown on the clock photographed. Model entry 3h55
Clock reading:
12h54
